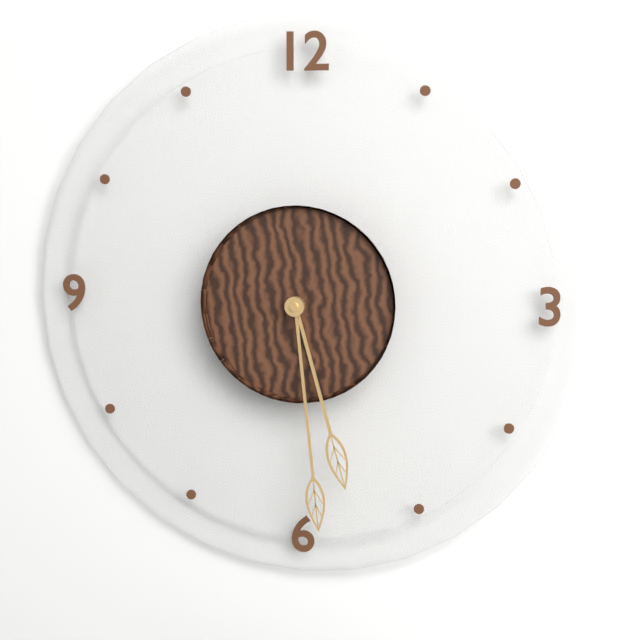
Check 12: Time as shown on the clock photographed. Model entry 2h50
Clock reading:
5h29
